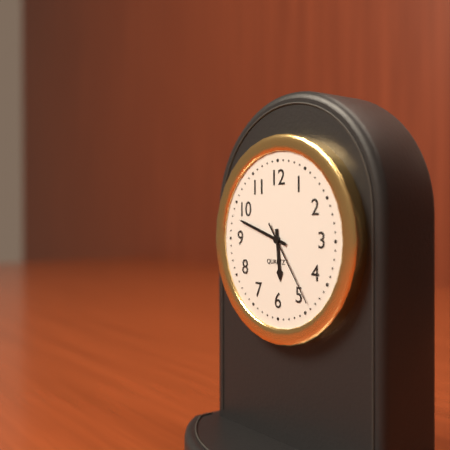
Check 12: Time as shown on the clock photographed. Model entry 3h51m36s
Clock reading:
5h48m24s
